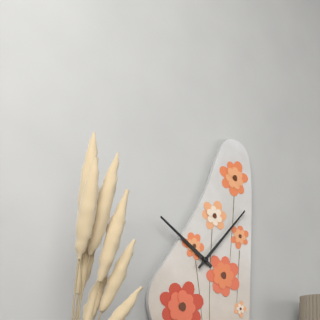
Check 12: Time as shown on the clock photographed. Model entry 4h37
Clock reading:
10h07
